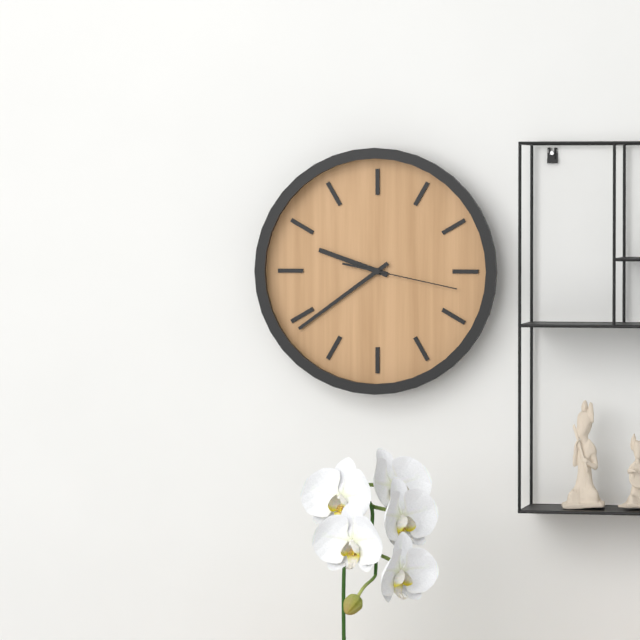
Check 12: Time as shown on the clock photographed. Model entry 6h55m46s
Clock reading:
9h39m17s
